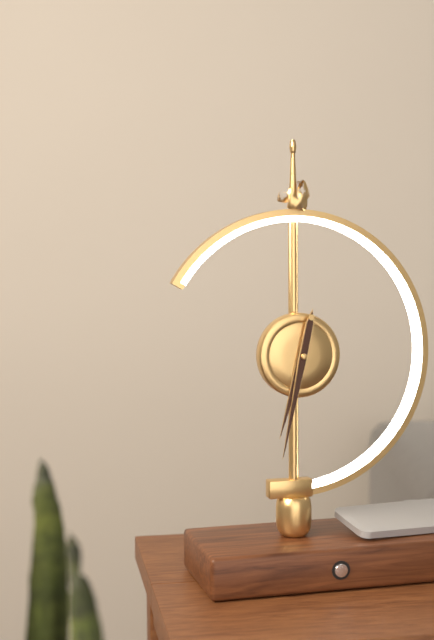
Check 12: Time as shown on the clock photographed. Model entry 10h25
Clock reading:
6h32
